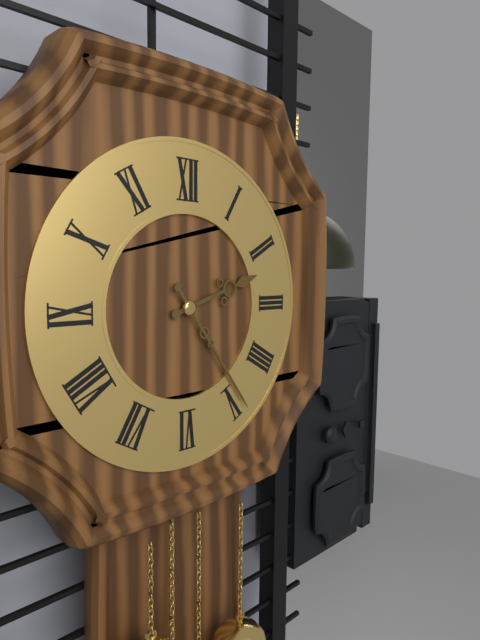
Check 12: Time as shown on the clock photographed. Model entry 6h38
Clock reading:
2h24
